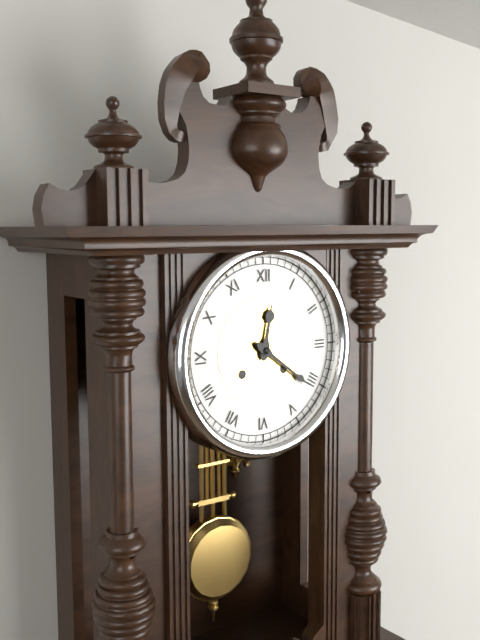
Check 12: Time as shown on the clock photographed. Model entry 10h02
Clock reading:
12h21
